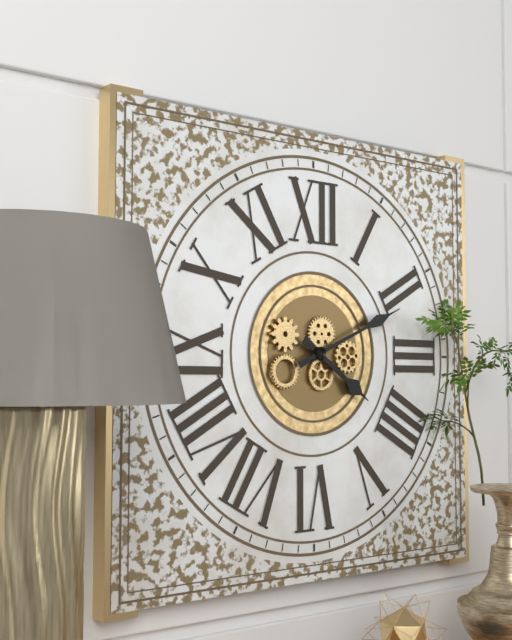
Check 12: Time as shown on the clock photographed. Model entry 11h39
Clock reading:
4h11
